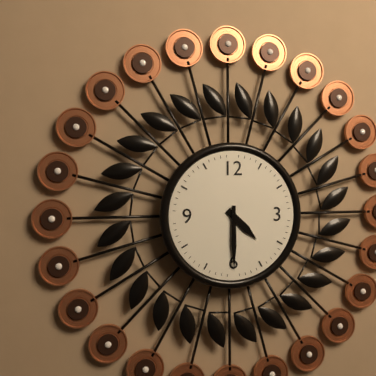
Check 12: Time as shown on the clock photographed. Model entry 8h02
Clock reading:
4h30
